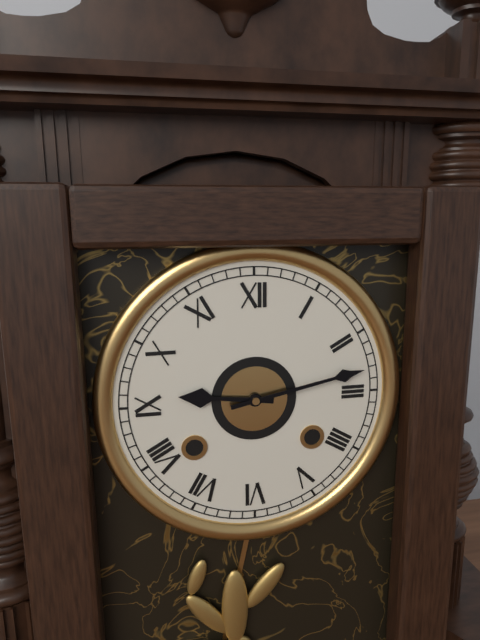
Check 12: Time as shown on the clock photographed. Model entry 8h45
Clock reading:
9h13
